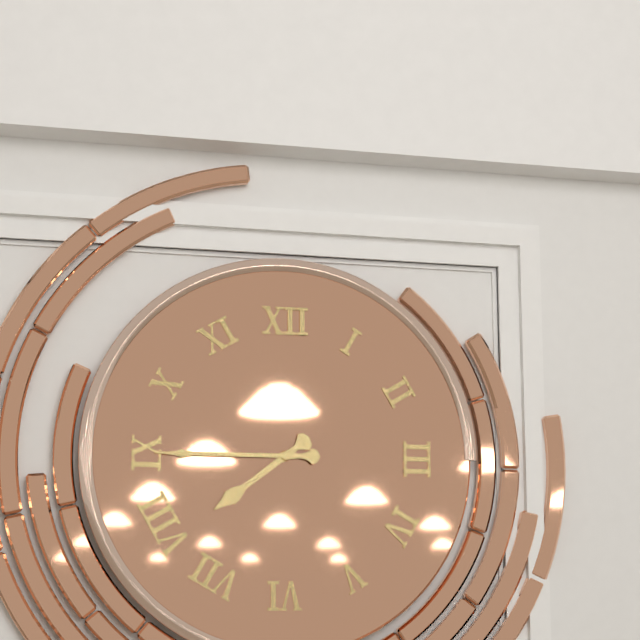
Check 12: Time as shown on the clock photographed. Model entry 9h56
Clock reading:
7h45
